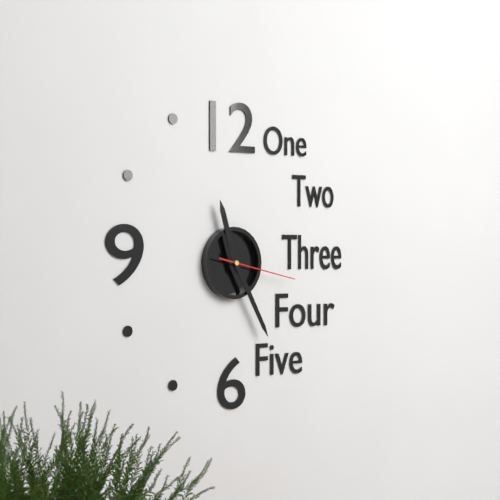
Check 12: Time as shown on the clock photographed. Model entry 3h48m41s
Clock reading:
11h25m17s
